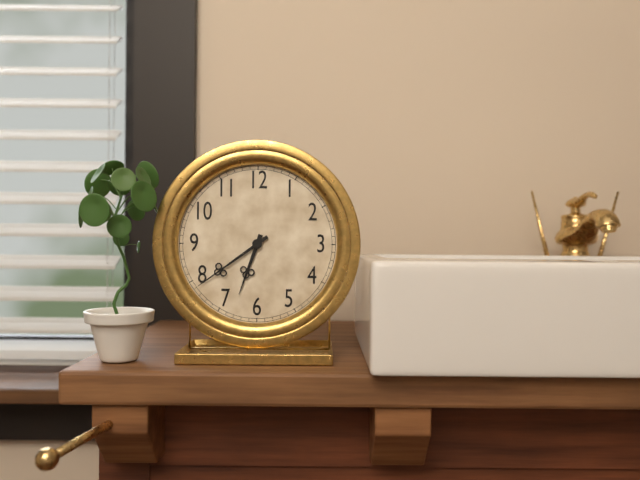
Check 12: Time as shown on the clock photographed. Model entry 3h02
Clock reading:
6h39
